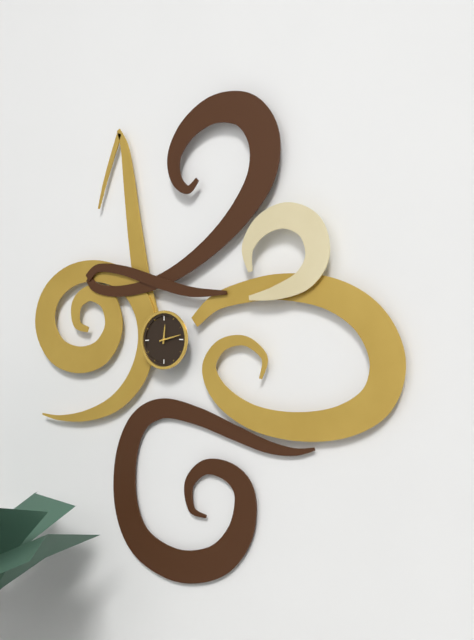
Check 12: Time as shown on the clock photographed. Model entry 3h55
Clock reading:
12h13
